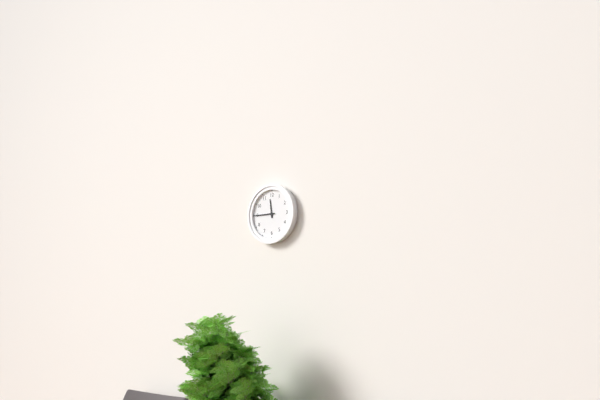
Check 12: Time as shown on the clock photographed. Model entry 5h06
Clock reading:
11h45
